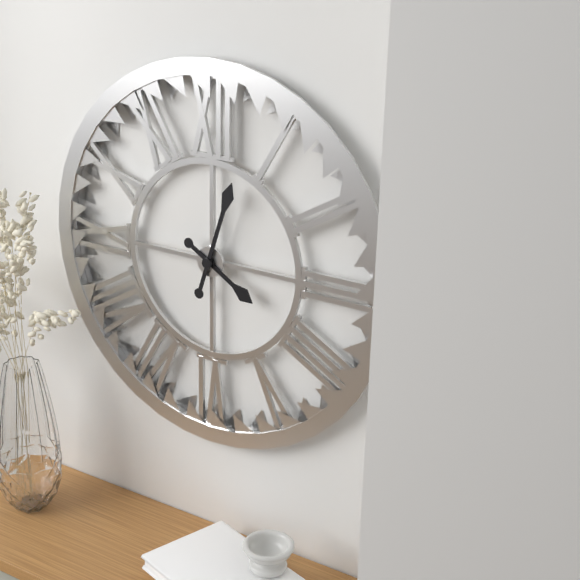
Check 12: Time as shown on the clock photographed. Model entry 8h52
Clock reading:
4h03
